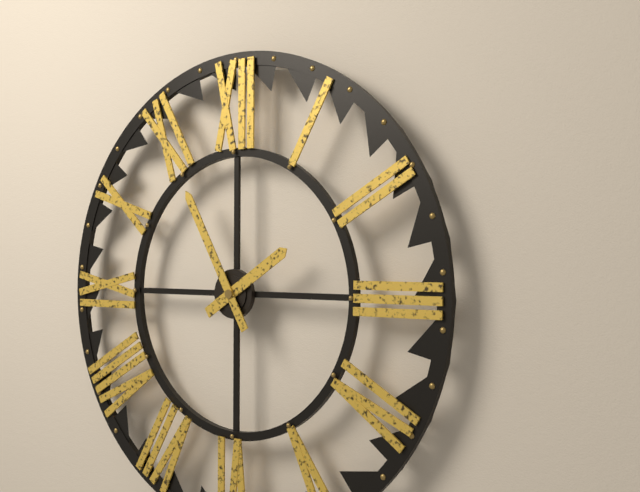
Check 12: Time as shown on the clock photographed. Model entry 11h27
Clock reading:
1h55
